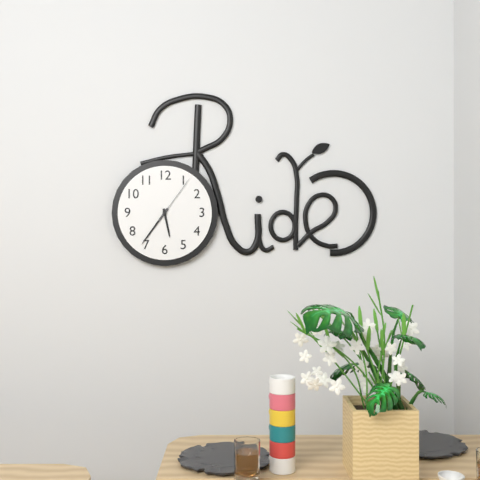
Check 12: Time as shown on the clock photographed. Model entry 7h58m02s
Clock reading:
5h36m06s
